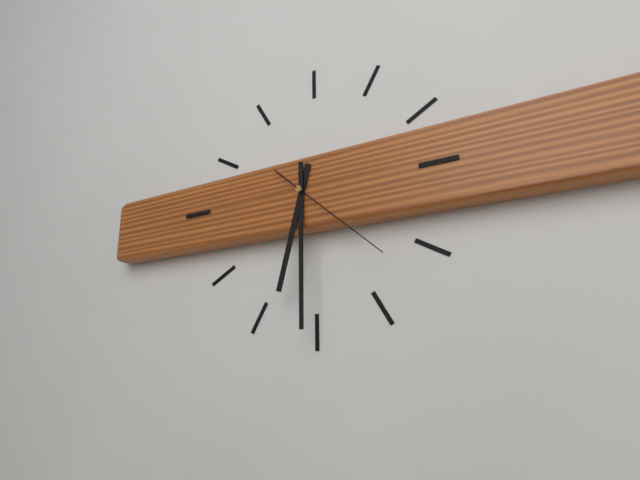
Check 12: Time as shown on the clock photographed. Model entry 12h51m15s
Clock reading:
6h30m22s
